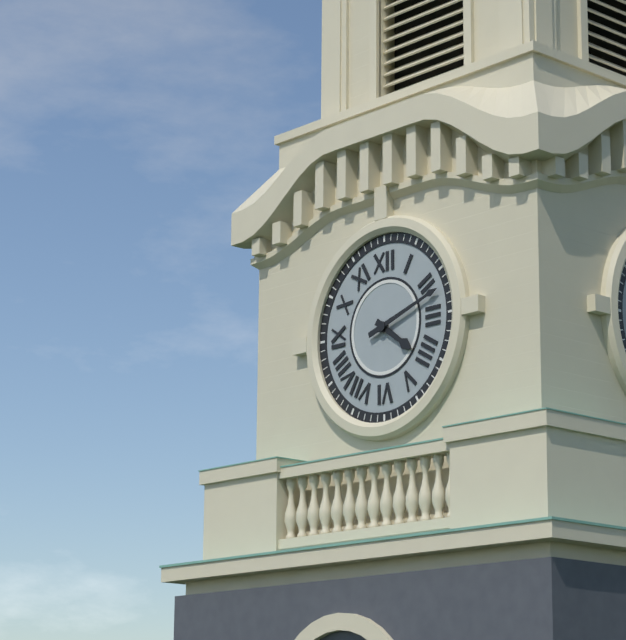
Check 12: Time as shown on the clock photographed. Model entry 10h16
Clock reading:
4h12
